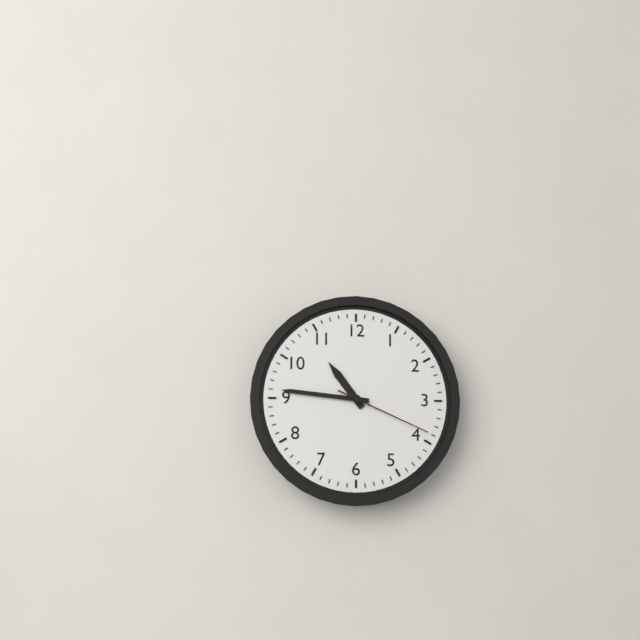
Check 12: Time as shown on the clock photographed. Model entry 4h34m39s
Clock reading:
10h46m19s
